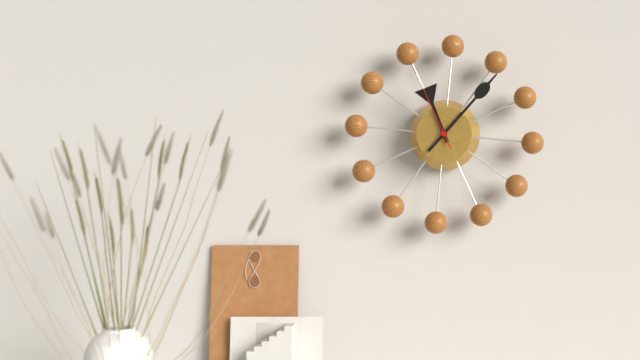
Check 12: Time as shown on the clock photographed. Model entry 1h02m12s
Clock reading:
11h06m55s
